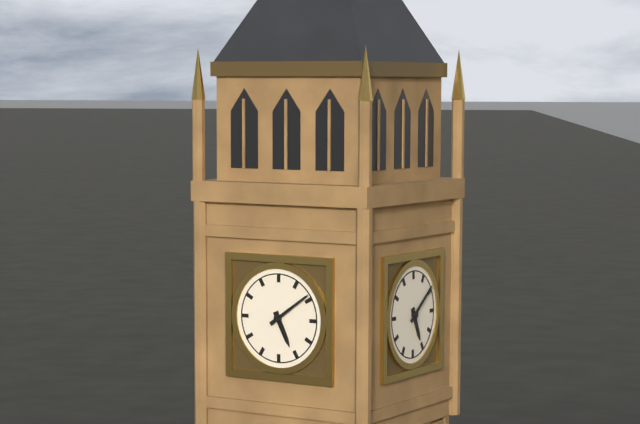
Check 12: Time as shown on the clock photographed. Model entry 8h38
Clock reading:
5h09
